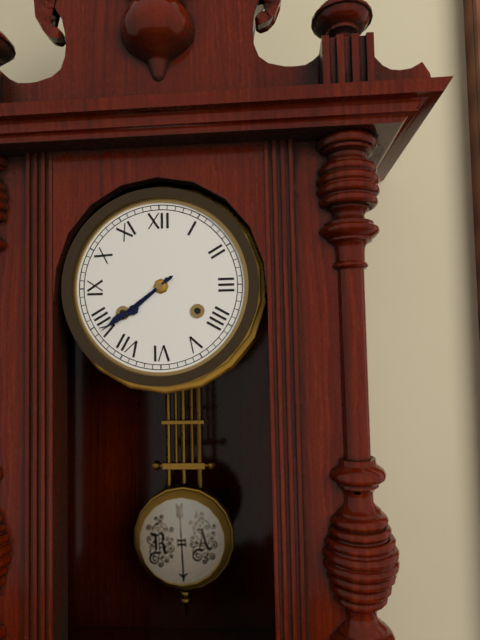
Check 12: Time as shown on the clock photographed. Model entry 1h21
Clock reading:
7h39
